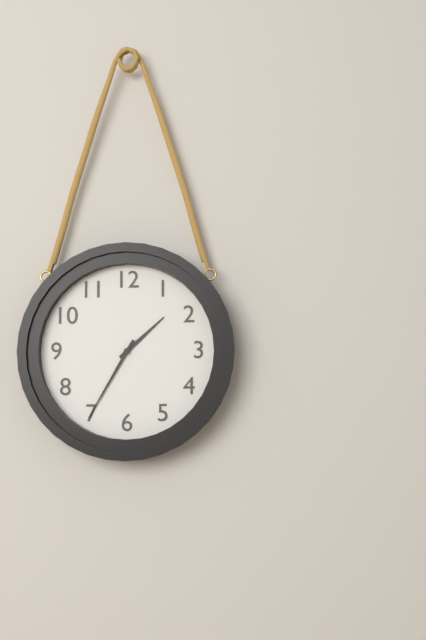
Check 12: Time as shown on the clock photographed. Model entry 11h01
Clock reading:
1h35
